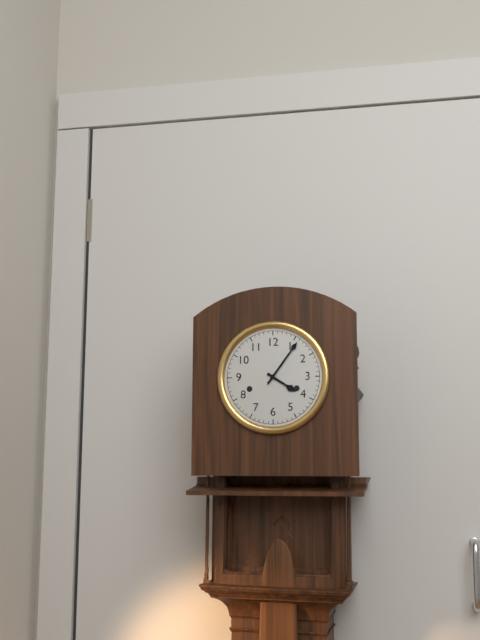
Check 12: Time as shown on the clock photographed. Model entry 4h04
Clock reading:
4h06
